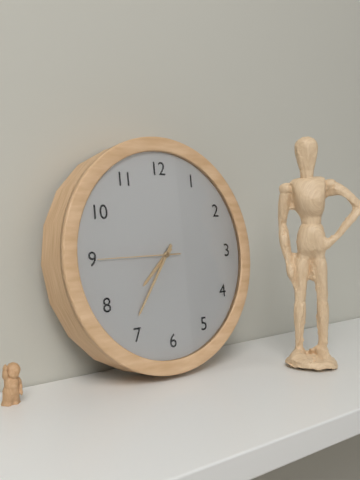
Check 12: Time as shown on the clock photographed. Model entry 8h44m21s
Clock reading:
7h36m45s
